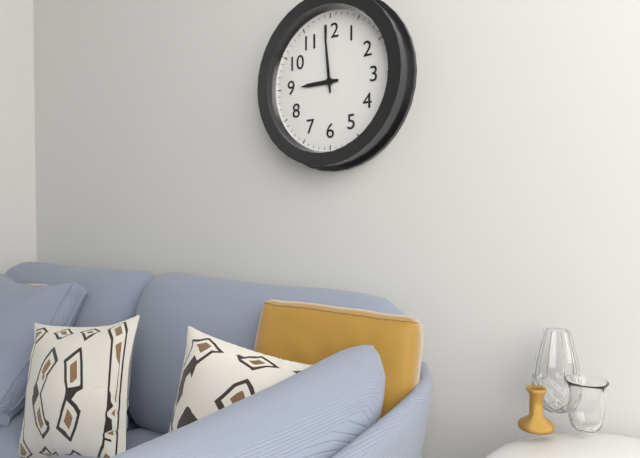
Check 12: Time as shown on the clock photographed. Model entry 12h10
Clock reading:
8h59
